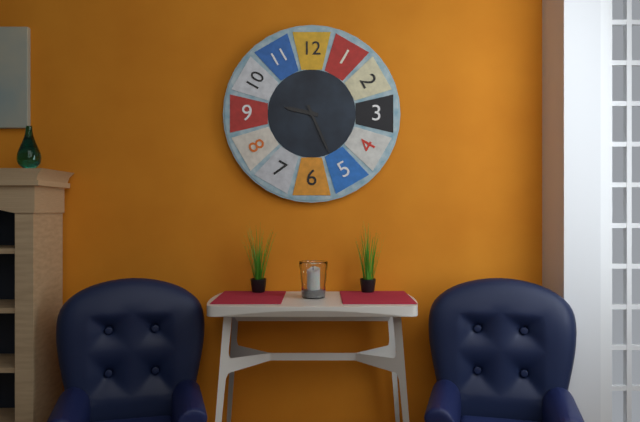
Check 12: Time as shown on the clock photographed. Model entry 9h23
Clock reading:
9h26
